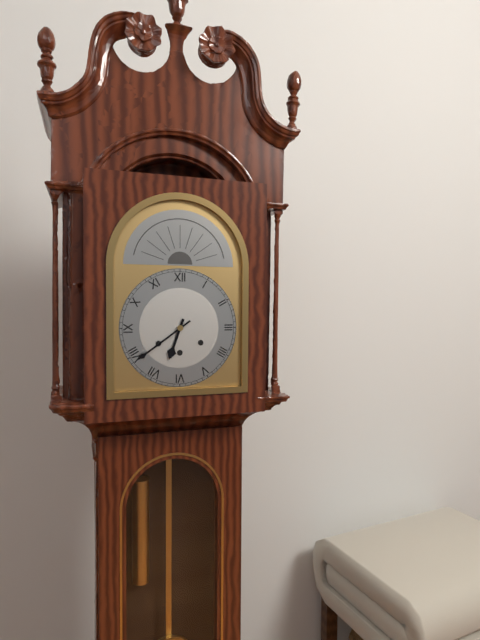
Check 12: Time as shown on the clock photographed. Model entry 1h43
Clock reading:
6h39
